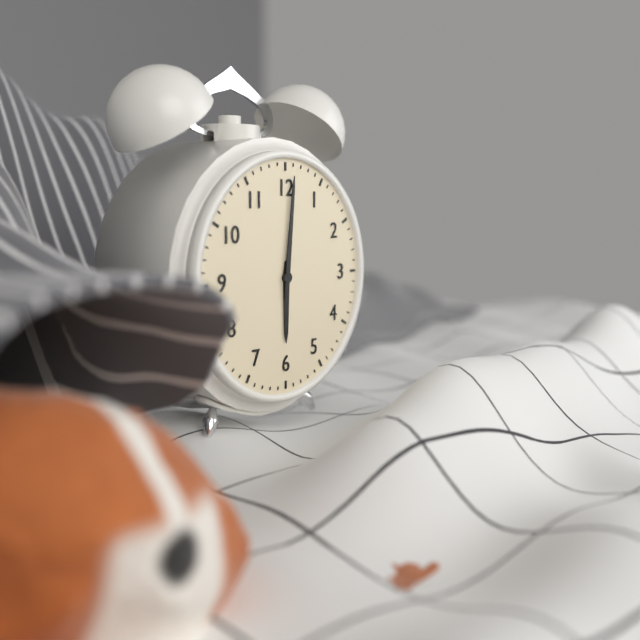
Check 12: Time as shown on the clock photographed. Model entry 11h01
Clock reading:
6h01
